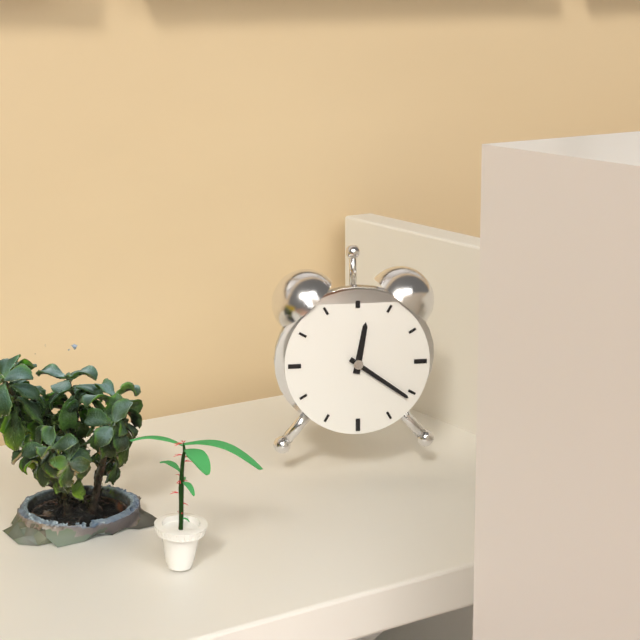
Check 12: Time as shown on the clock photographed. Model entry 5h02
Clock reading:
12h21
